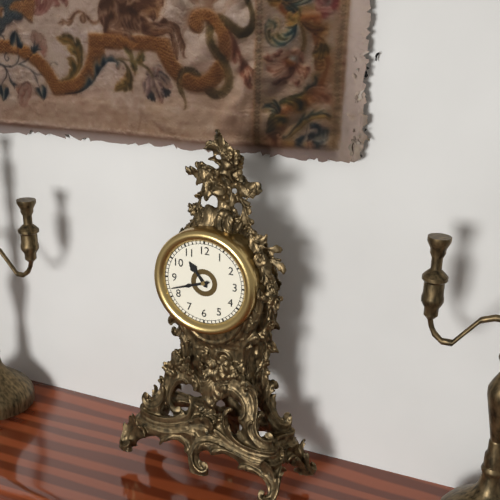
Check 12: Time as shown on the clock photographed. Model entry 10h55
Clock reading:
10h42
